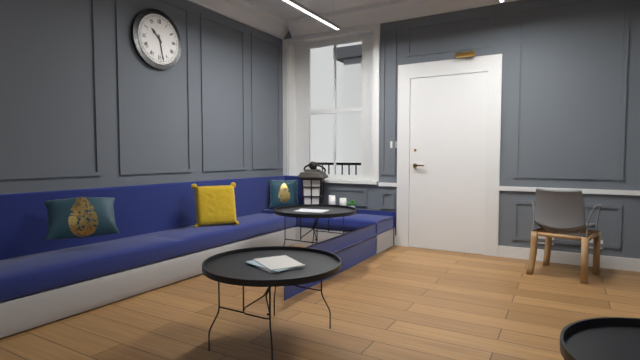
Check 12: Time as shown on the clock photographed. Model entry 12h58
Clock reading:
10h28
